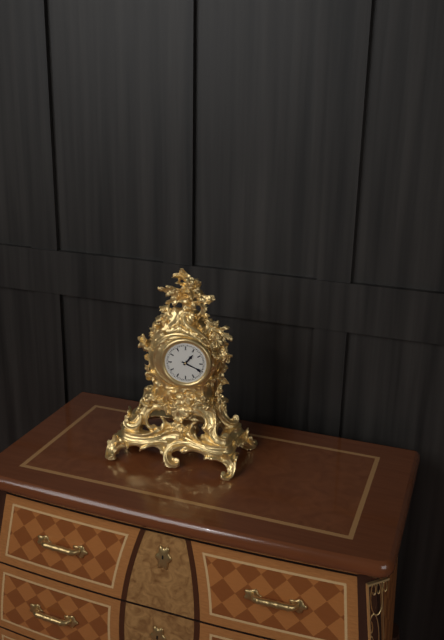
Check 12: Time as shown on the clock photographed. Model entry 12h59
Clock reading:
1h19
